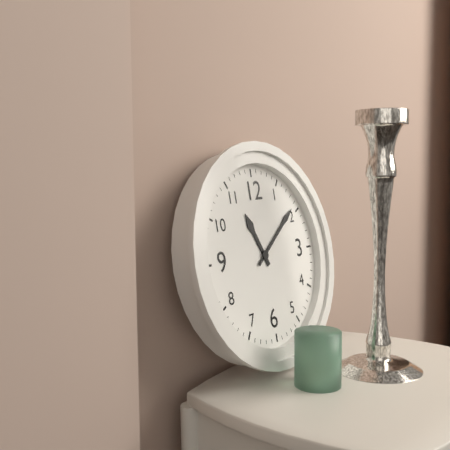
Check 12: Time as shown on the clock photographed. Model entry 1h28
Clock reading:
11h09
